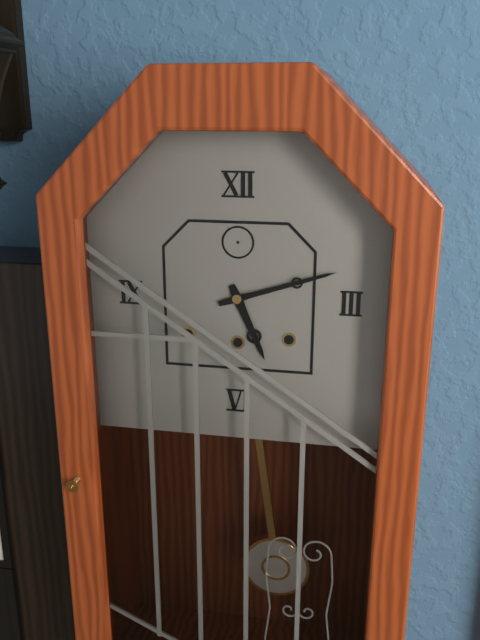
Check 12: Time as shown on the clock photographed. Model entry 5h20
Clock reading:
5h12
